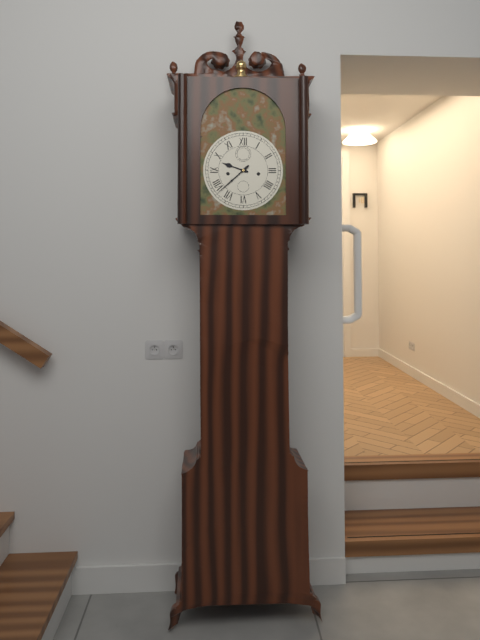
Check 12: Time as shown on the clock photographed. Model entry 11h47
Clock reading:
9h38
